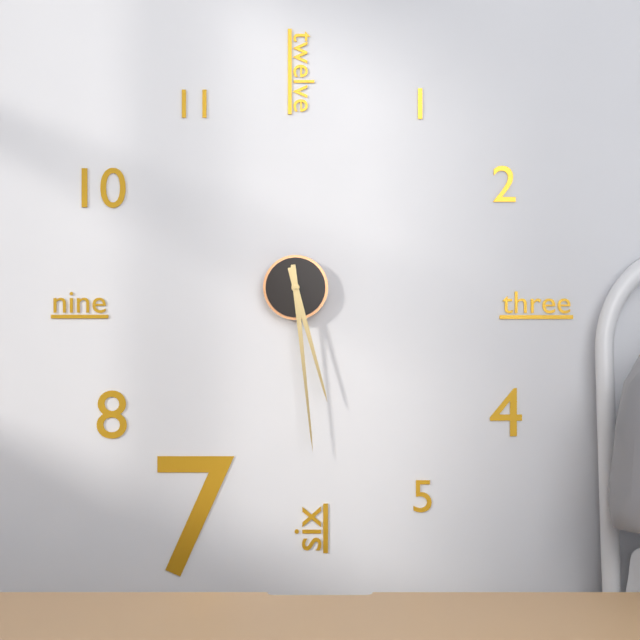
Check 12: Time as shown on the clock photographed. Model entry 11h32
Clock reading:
5h29
